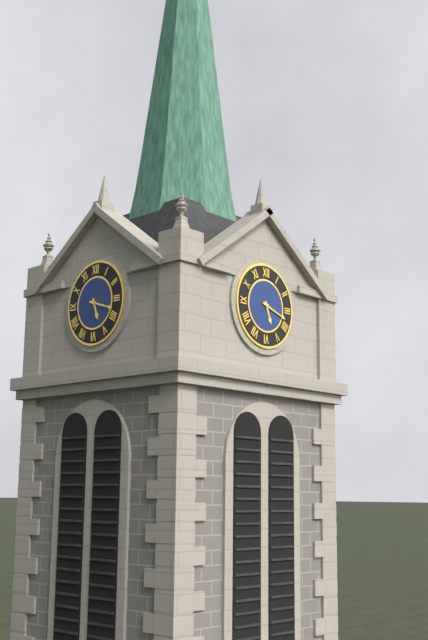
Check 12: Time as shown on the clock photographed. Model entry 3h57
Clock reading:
5h18
